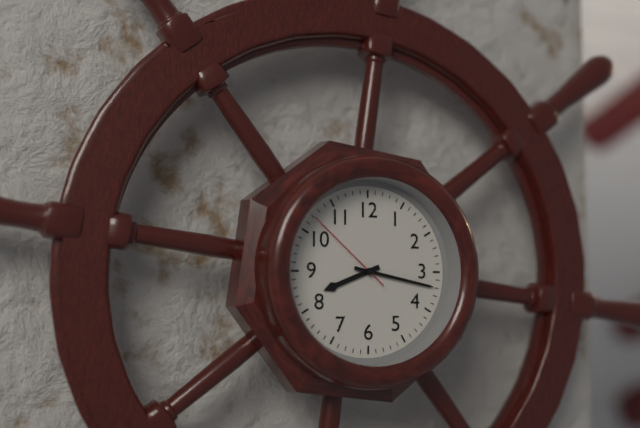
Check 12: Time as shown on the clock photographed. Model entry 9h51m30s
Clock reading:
8h17m52s
